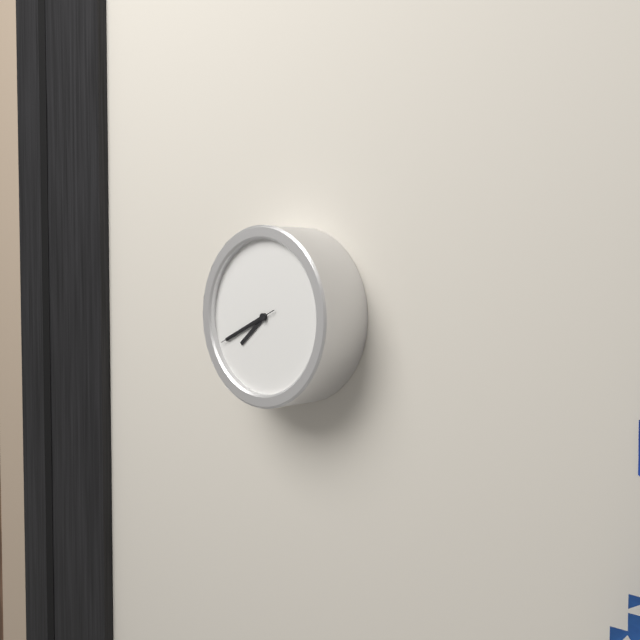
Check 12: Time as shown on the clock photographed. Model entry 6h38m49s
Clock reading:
7h41m41s
